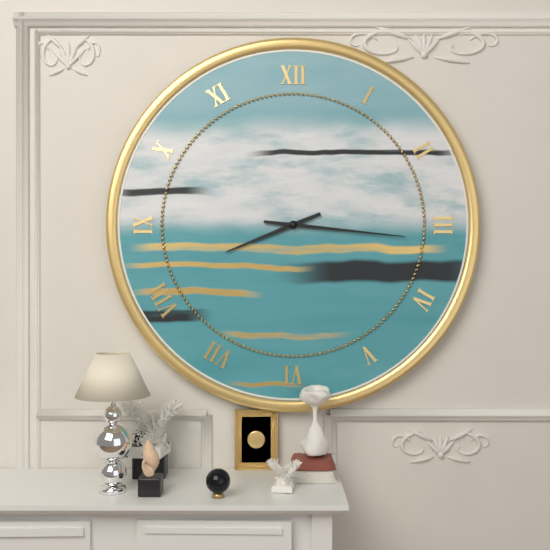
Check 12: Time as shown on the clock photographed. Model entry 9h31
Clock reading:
8h16
